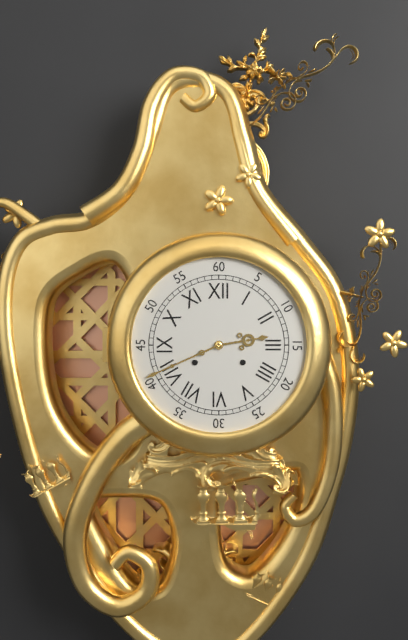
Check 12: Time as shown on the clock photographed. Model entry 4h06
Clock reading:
2h41
